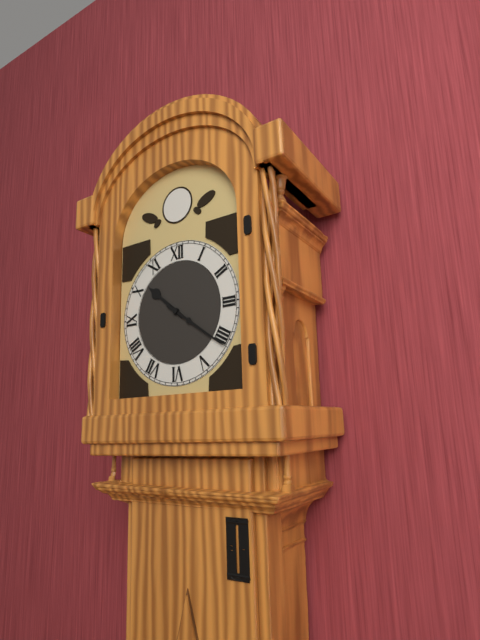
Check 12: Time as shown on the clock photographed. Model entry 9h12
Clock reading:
10h21
